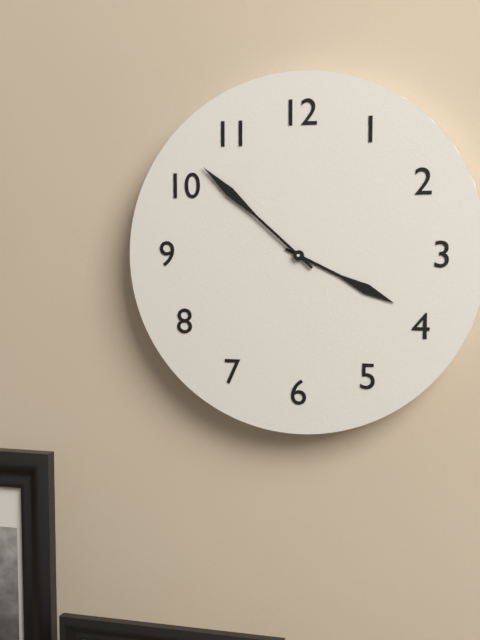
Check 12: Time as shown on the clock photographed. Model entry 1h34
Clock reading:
3h52
